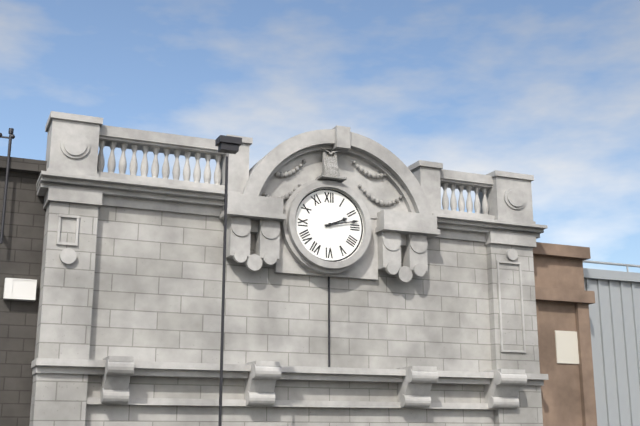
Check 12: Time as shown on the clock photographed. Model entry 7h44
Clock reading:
2h13
